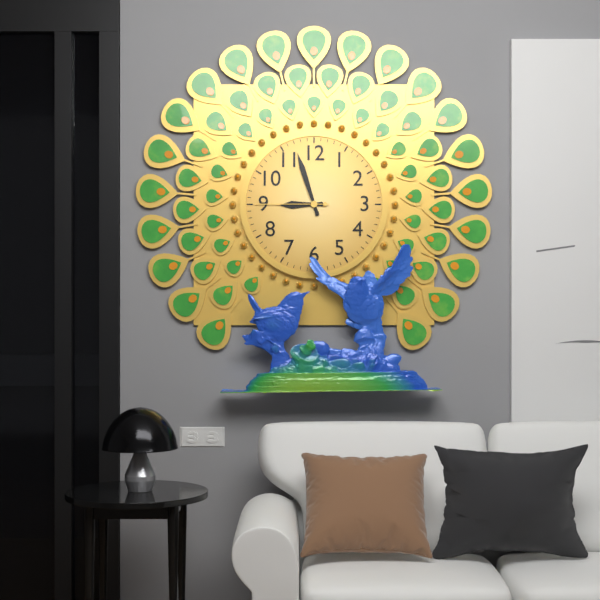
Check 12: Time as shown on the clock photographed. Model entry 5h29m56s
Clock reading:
8h57m45s
